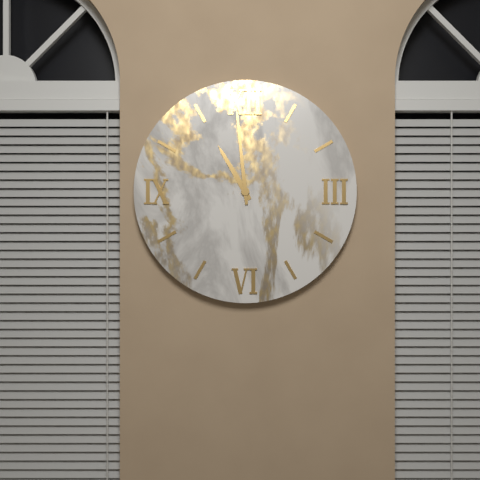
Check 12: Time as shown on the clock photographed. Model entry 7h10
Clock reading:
10h59
